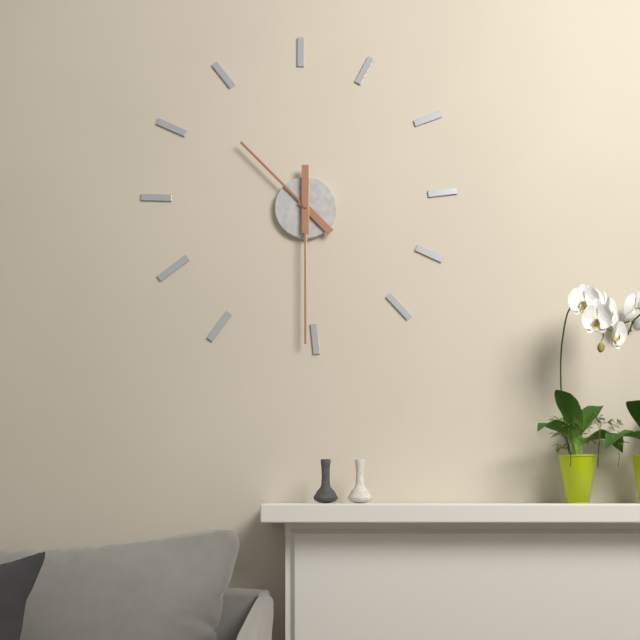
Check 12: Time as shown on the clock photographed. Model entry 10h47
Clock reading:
10h30
